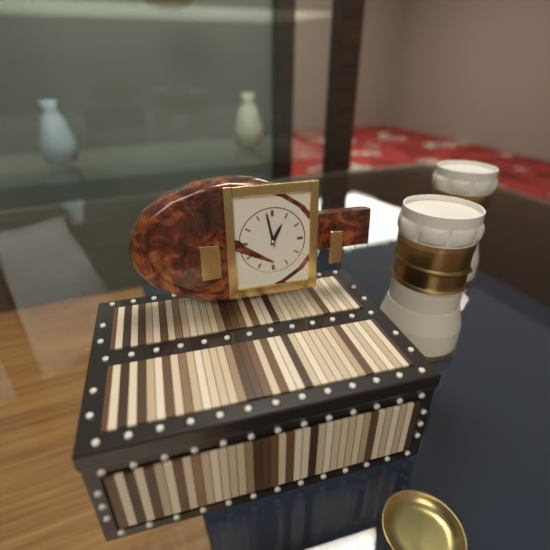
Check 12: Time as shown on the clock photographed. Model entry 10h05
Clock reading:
12h58
